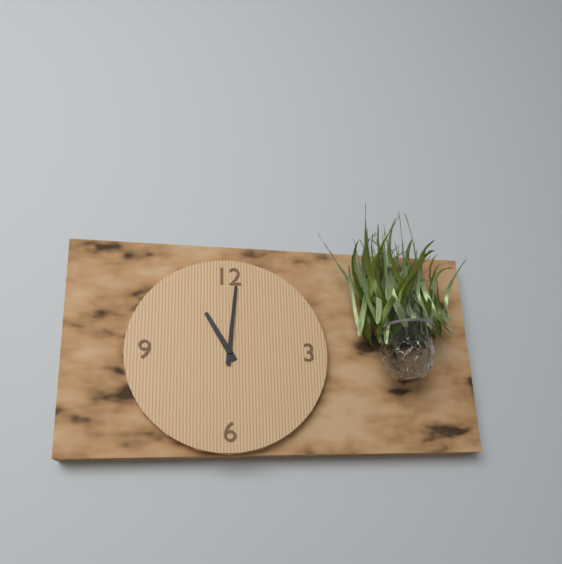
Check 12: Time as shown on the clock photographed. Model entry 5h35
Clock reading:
11h01
